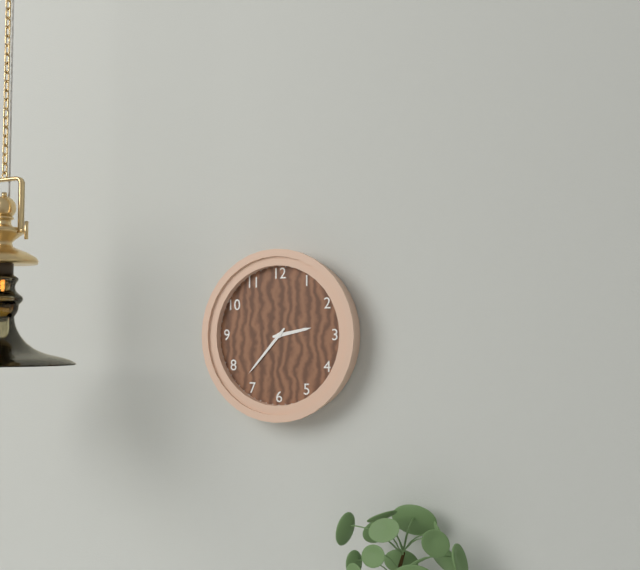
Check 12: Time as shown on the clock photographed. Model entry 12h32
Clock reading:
2h37
